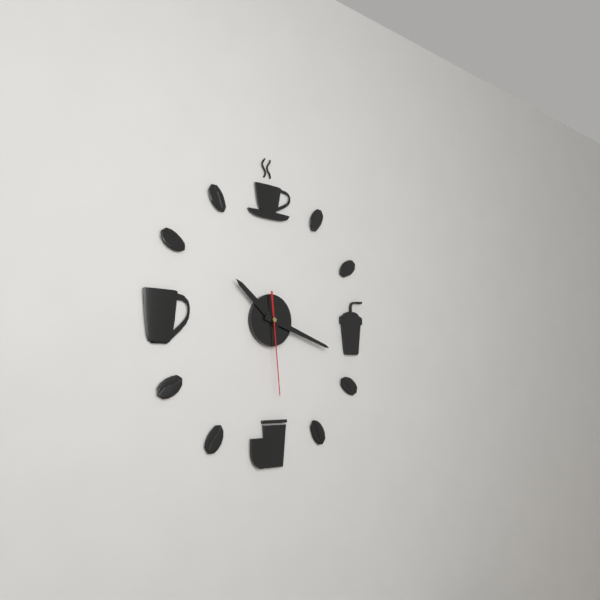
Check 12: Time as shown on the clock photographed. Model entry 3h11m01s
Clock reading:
10h18m29s
